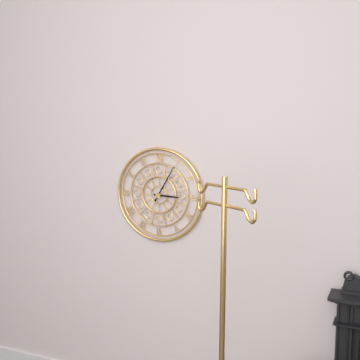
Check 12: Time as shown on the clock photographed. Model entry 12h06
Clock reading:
3h05
